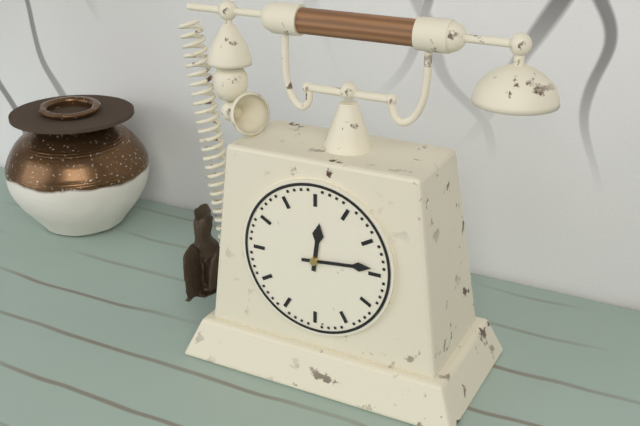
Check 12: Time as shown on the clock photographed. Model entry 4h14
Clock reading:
12h14
